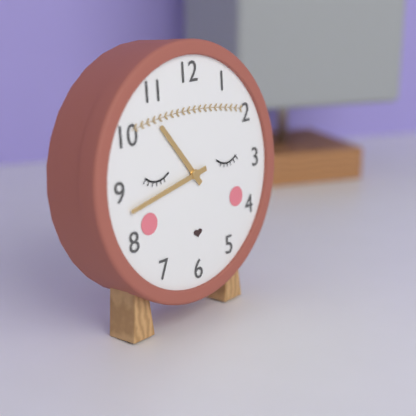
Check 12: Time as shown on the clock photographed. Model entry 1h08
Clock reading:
10h43
